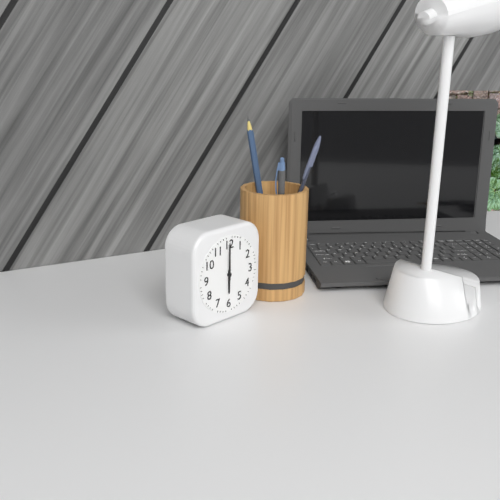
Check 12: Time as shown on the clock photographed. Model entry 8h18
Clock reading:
6h00
